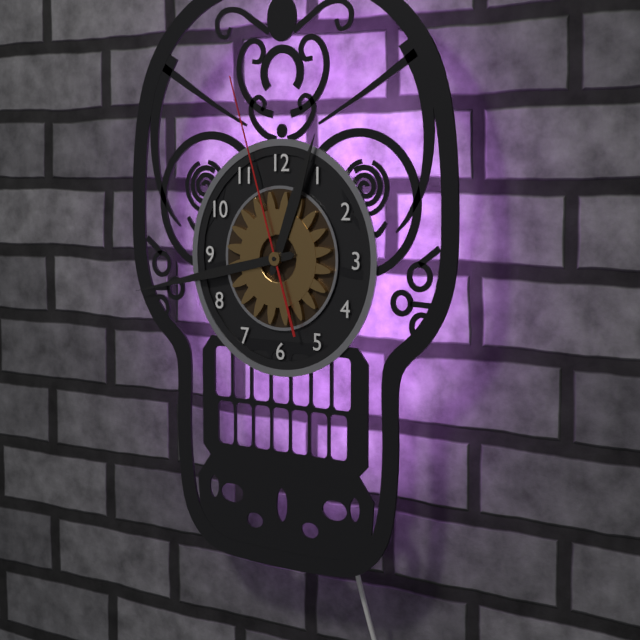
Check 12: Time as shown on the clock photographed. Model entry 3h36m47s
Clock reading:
12h43m57s
